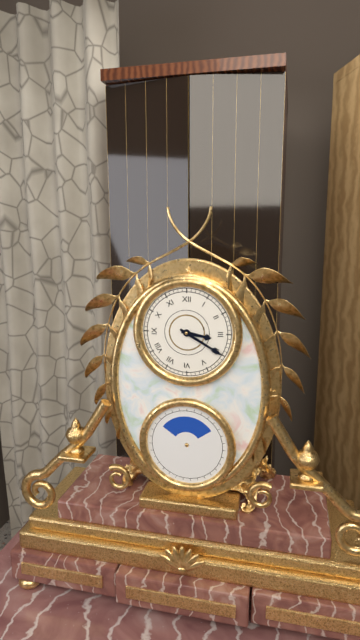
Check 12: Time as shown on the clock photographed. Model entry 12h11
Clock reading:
3h20
